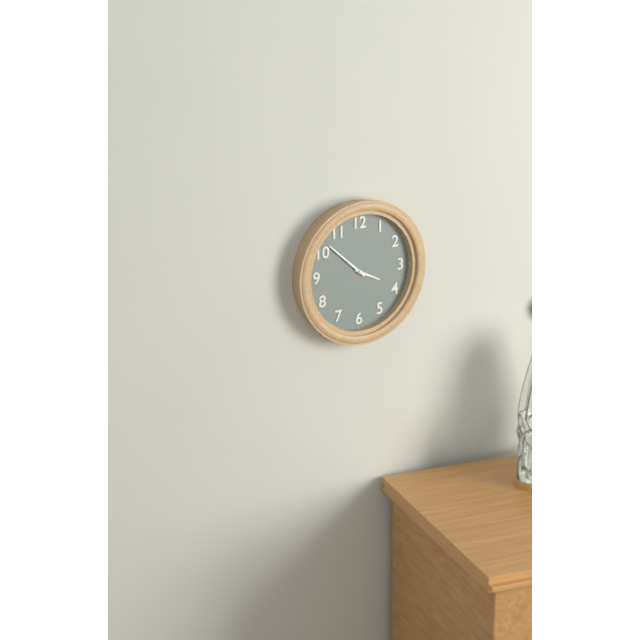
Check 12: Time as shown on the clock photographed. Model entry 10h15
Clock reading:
3h52
